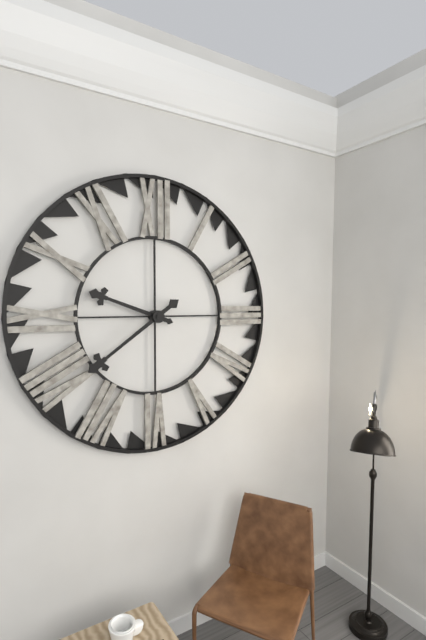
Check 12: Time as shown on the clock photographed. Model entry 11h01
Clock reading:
9h39
